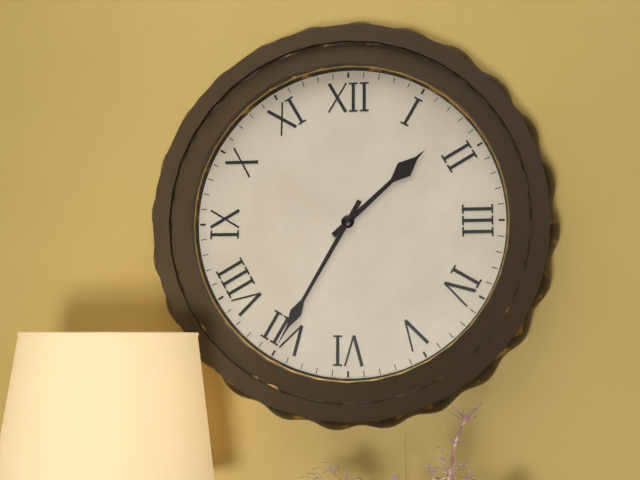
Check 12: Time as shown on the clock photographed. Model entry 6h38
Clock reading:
1h35
